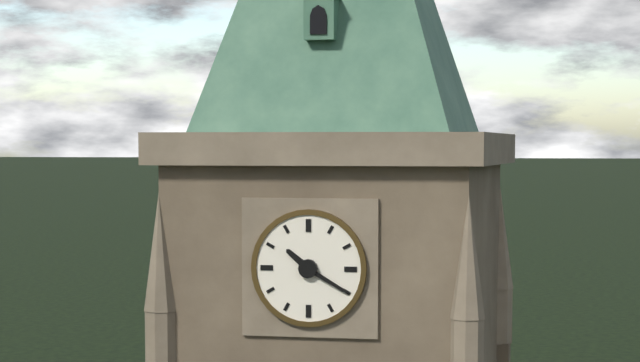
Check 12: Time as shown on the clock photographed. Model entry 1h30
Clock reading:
10h20
